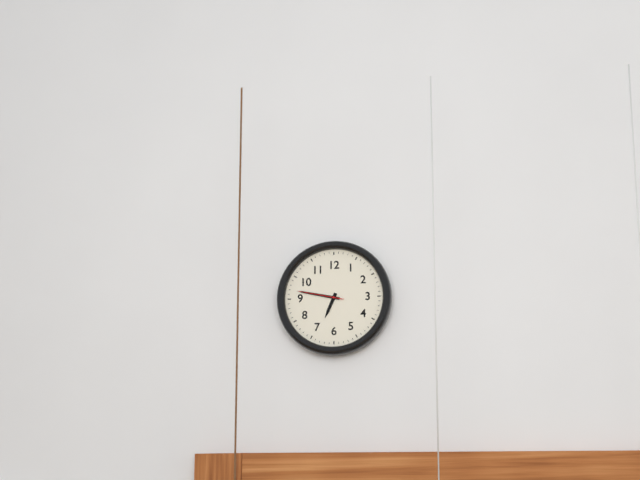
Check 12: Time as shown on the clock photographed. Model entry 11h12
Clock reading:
6h47
